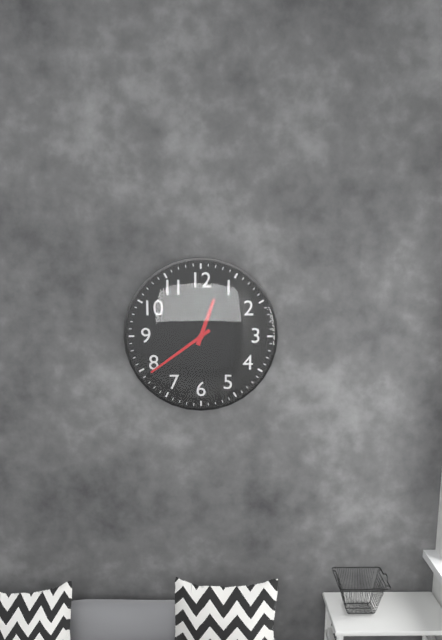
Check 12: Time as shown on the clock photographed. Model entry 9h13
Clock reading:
12h39
